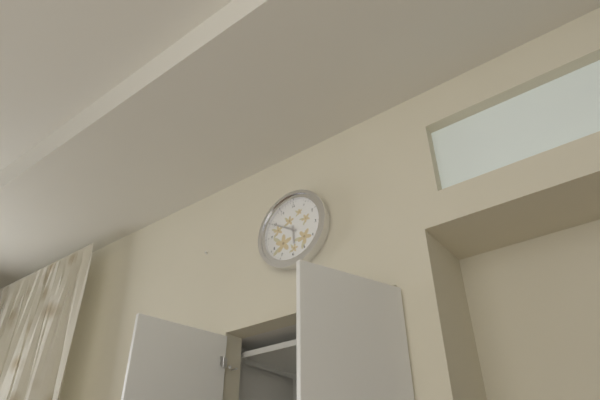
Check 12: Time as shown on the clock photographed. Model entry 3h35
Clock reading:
5h50
